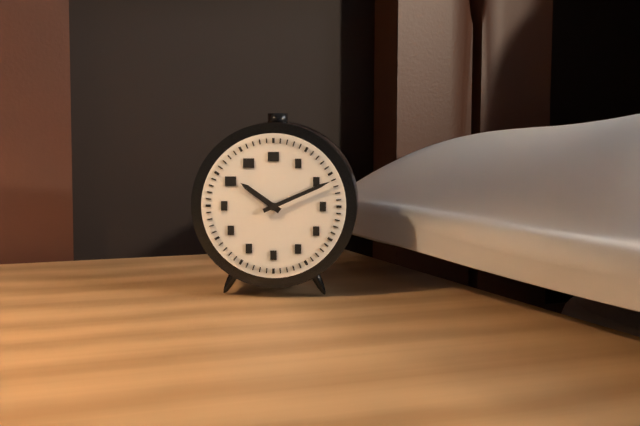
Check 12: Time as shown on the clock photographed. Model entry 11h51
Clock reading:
10h11
